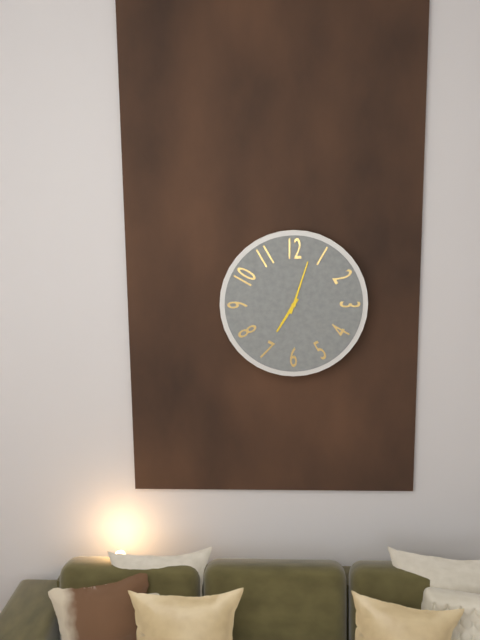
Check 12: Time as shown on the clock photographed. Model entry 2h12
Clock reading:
7h03
